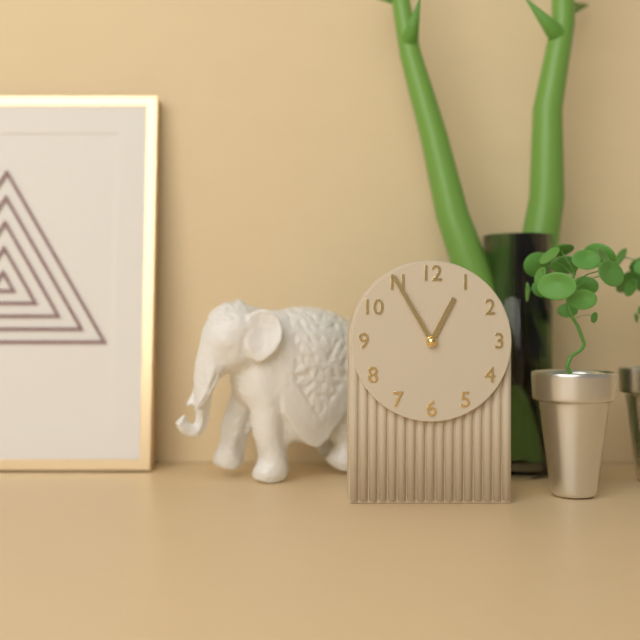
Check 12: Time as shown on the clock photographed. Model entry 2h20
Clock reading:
12h55
